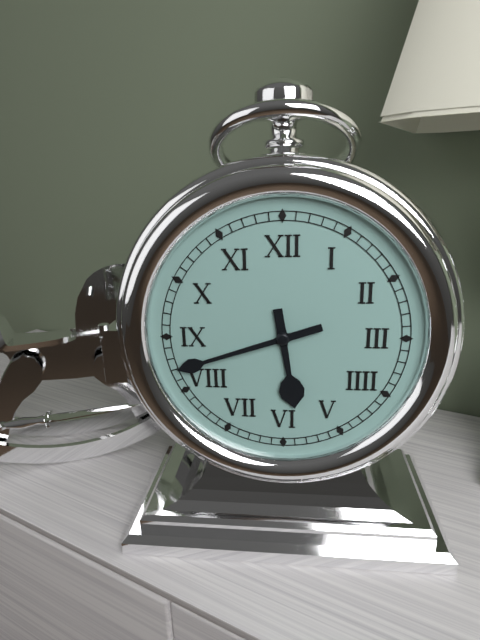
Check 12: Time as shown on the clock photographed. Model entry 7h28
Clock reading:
5h42
